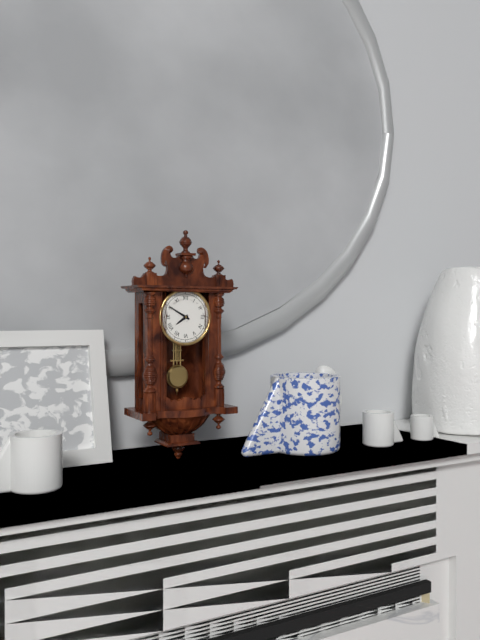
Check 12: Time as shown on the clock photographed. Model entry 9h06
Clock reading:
7h50
